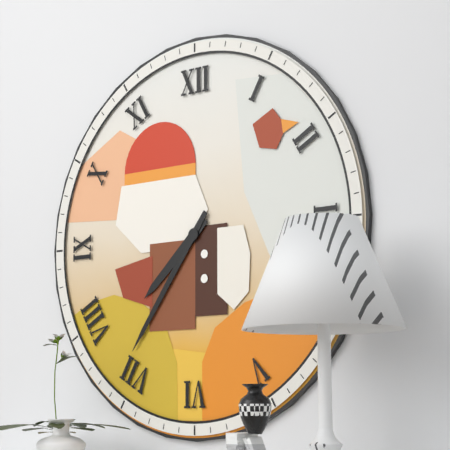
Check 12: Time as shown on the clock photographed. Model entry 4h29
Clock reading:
7h36
